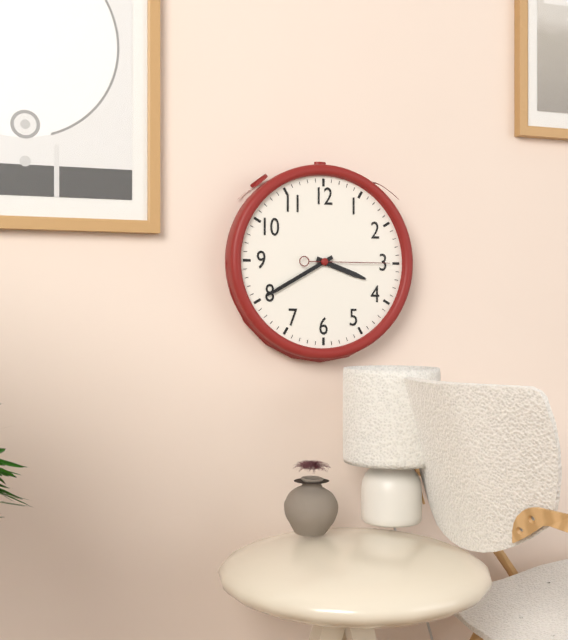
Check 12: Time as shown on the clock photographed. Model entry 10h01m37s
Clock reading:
3h40m15s
